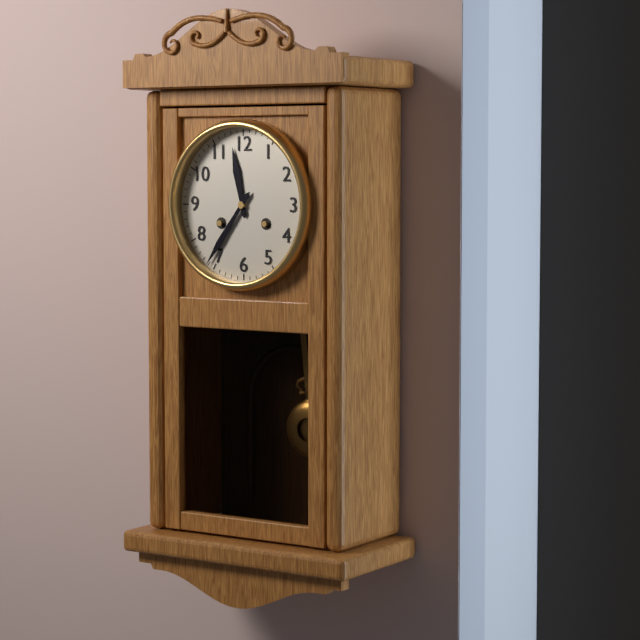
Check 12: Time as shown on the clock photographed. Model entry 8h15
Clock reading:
11h36
